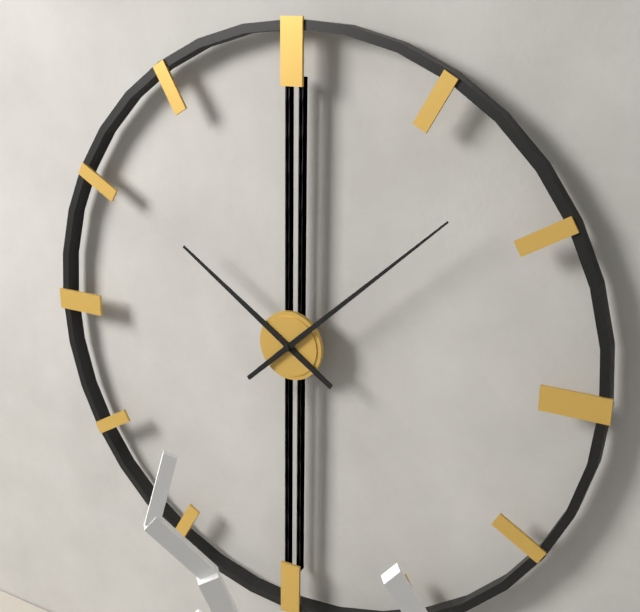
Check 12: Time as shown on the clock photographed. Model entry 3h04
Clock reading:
10h08
